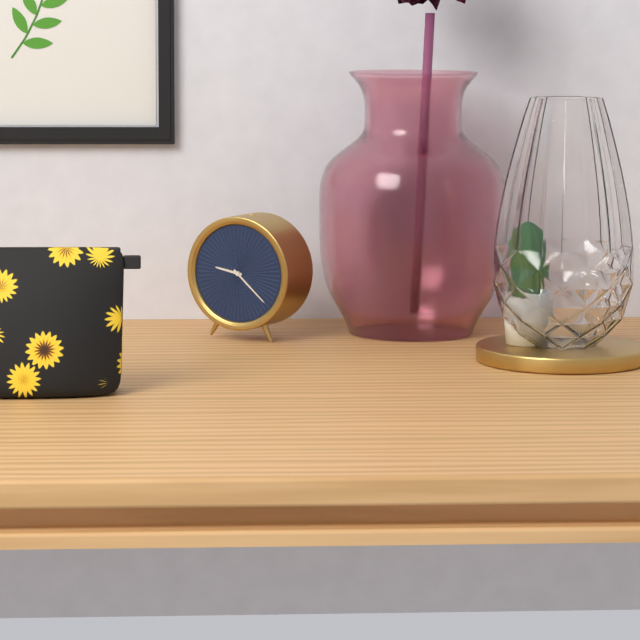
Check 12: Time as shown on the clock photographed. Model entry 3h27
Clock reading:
9h22
